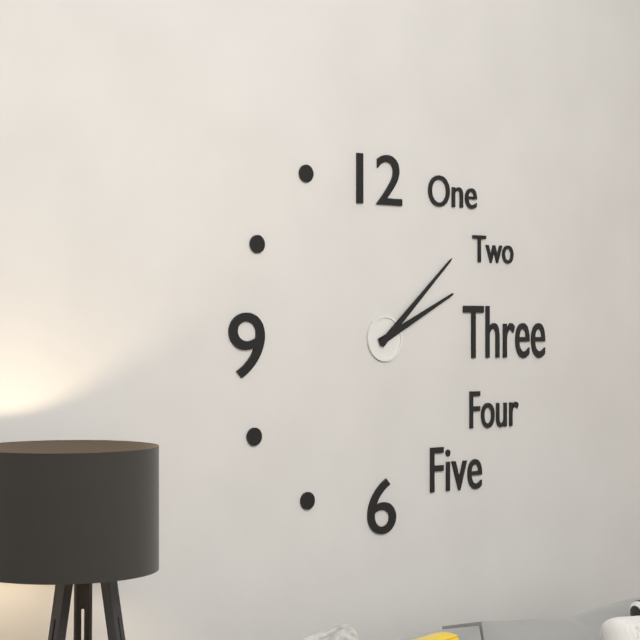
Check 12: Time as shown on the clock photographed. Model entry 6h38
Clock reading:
2h08
